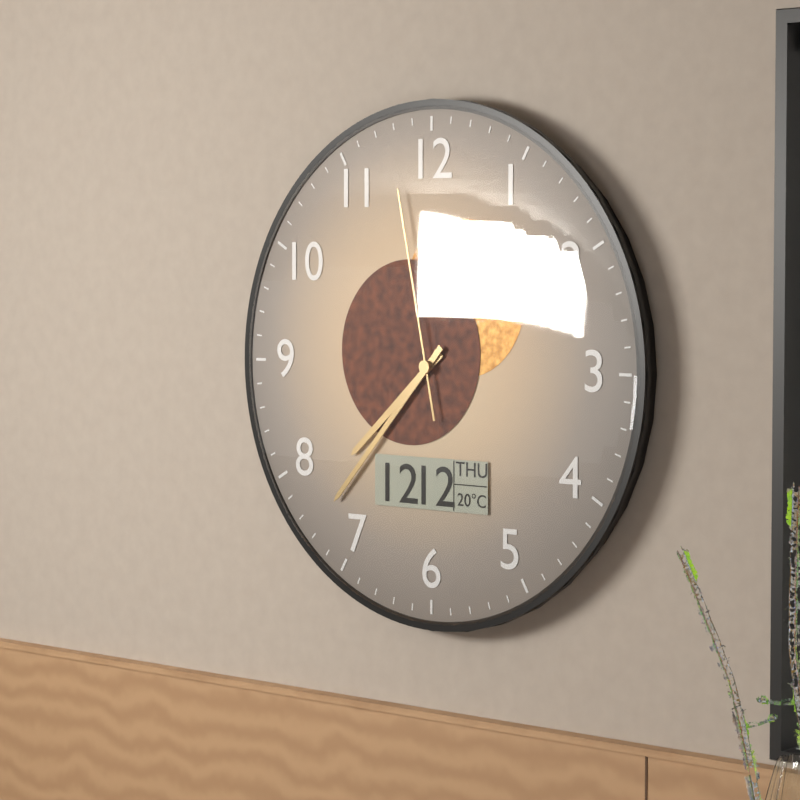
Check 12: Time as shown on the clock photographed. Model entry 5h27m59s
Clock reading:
7h37m58s
